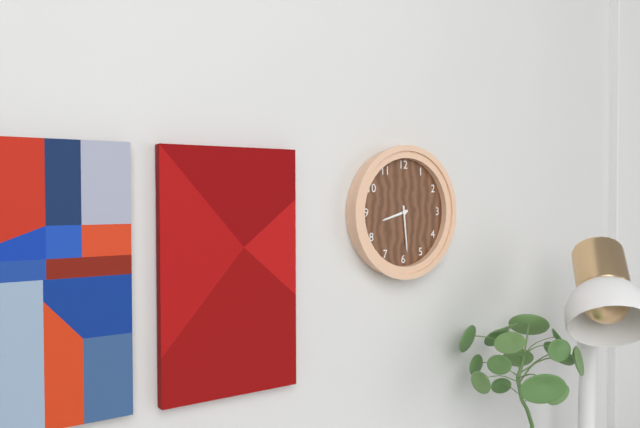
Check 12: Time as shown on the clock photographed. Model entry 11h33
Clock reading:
8h29
